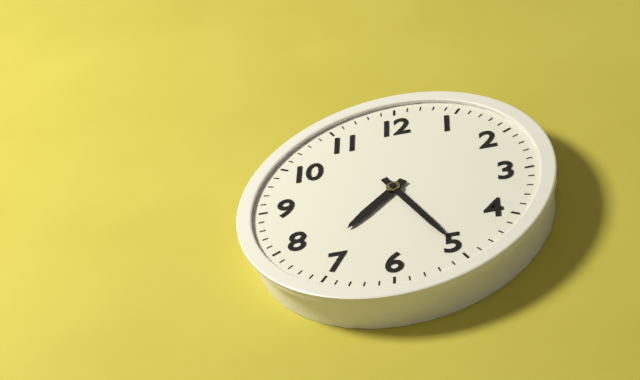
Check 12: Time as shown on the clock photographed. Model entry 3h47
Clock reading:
7h25
